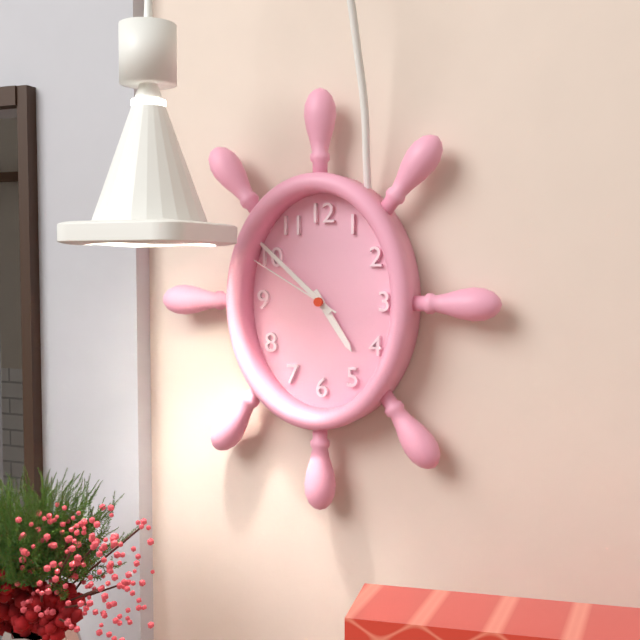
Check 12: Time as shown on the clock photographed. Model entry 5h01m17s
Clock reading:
4h52m50s
